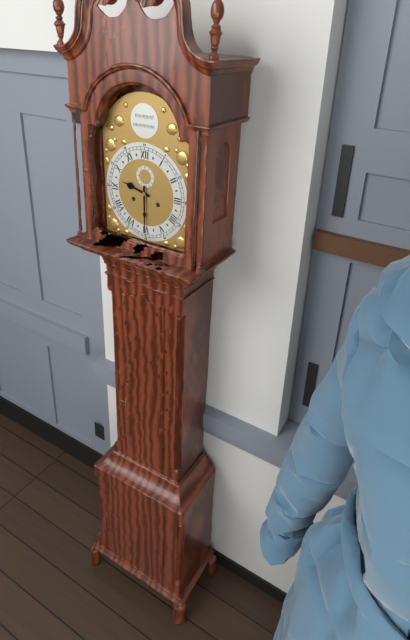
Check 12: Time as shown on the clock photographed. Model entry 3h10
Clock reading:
9h30
